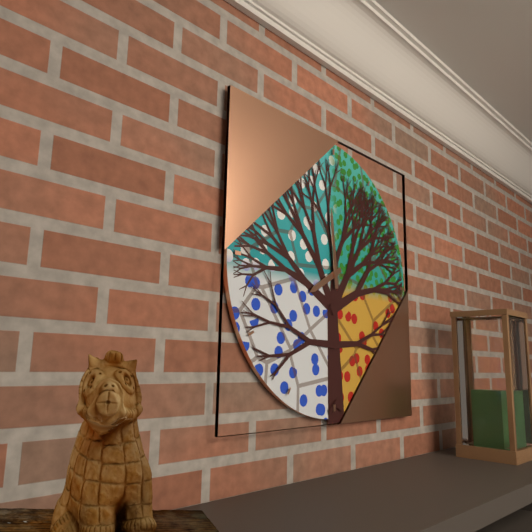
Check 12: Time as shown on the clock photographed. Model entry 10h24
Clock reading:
7h59
